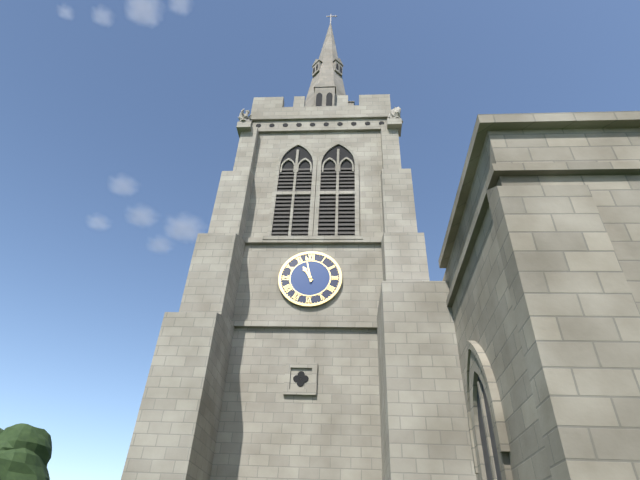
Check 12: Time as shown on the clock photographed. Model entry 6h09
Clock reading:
10h58
